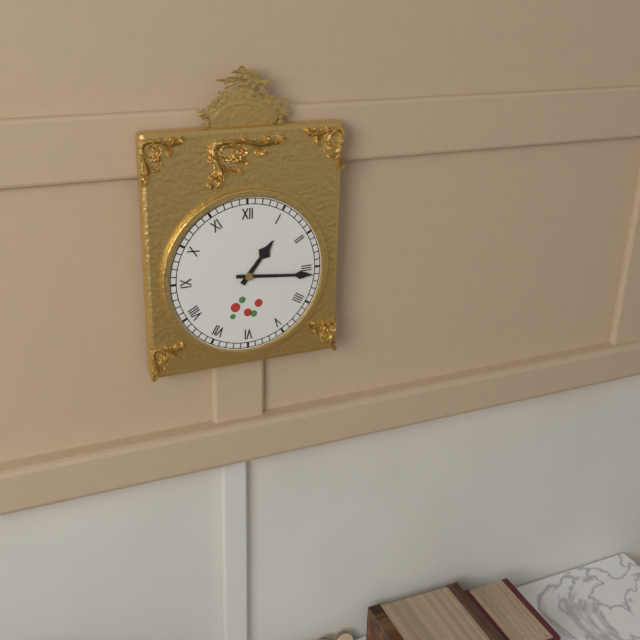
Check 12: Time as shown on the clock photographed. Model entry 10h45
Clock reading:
1h16
